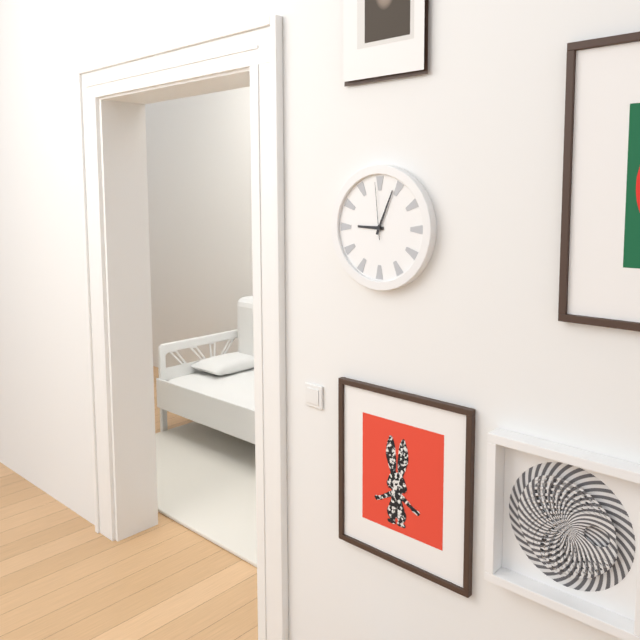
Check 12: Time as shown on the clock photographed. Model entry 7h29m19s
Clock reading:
9h04m59s
